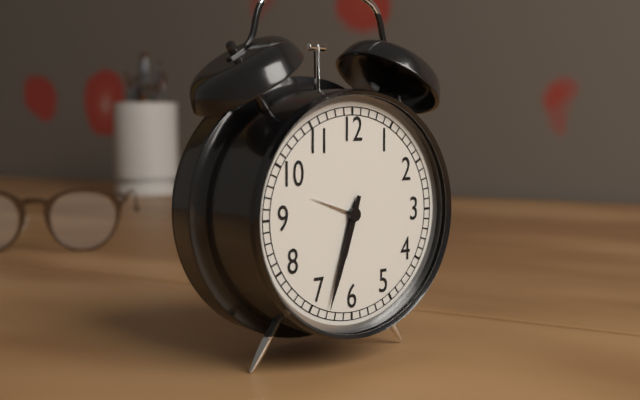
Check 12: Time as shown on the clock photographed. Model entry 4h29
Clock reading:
6h33
